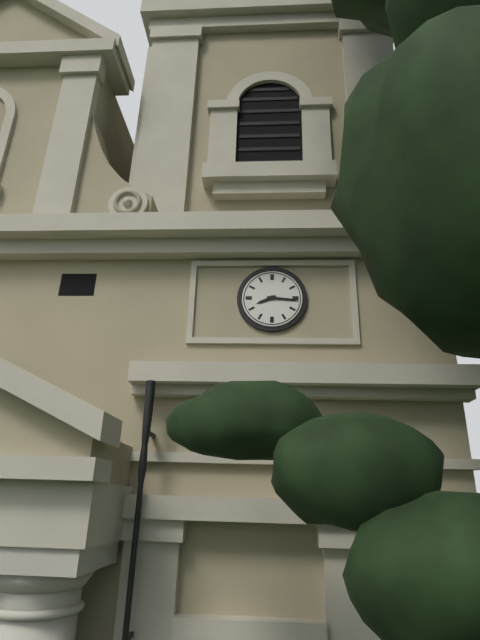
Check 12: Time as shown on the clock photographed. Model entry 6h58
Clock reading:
8h16
